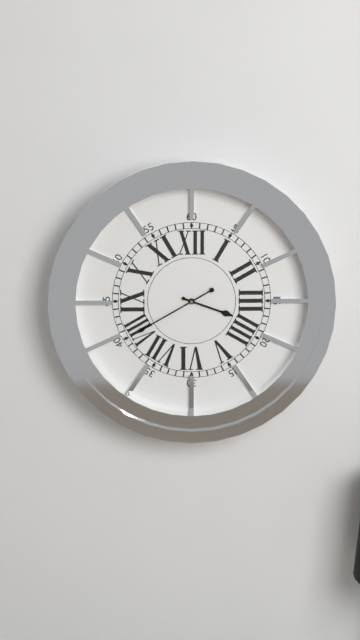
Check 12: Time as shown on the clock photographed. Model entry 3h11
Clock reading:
3h40
